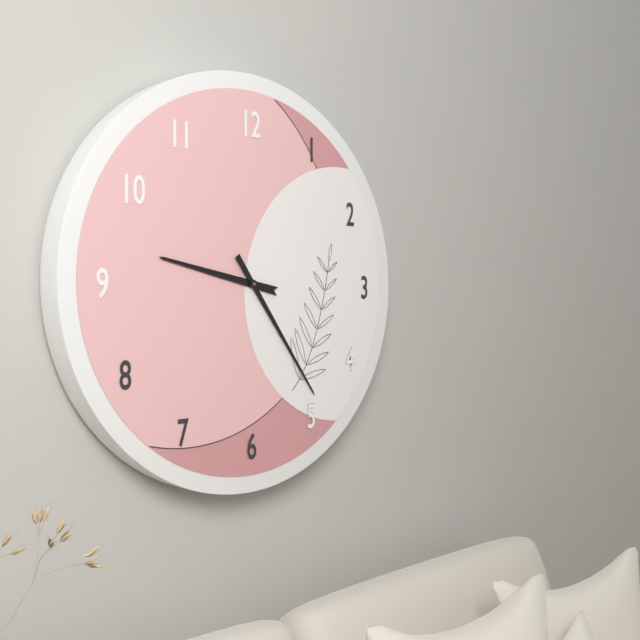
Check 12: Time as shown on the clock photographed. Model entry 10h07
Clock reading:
9h24
